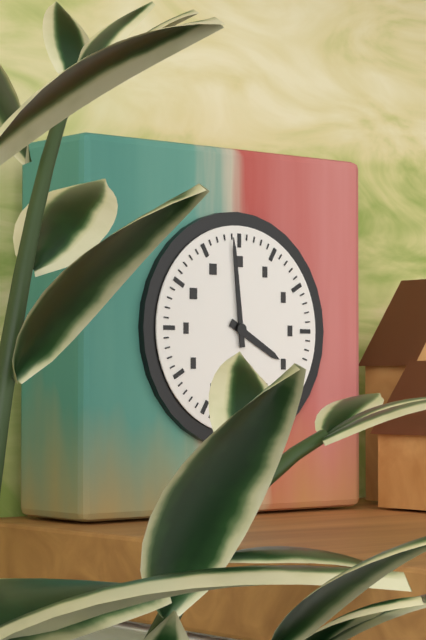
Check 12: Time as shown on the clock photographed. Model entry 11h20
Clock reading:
3h59
